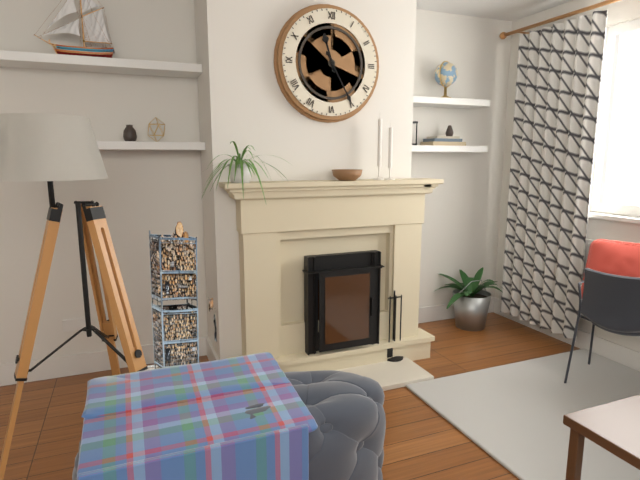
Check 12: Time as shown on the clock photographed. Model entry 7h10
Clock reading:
11h25
